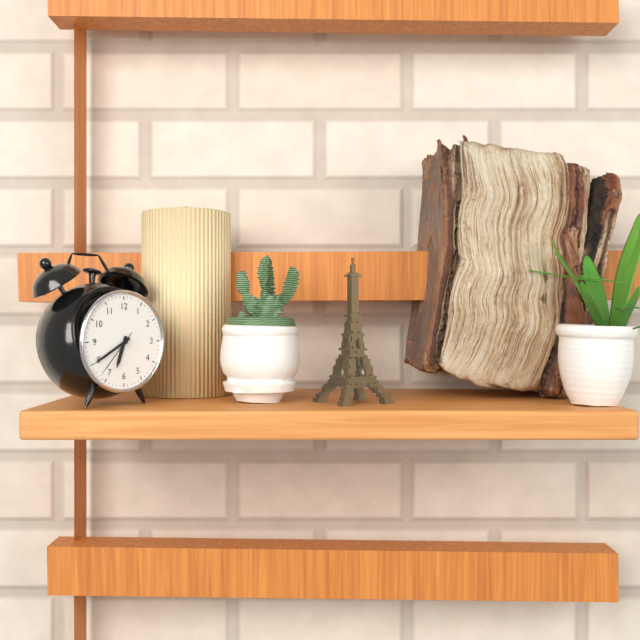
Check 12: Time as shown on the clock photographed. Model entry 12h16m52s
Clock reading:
6h40m37s
